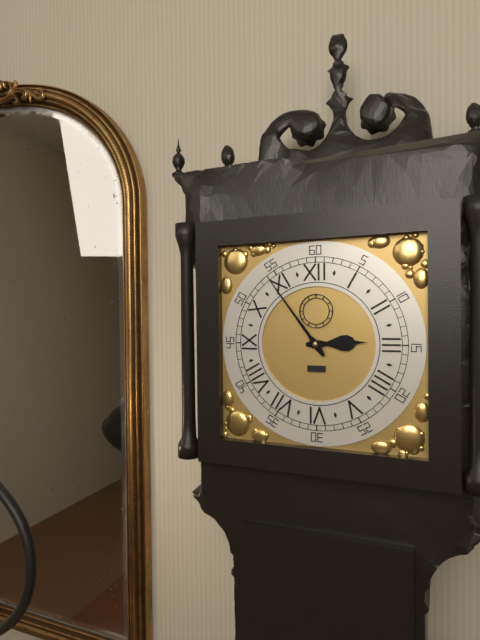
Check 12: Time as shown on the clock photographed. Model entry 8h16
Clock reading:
2h54
